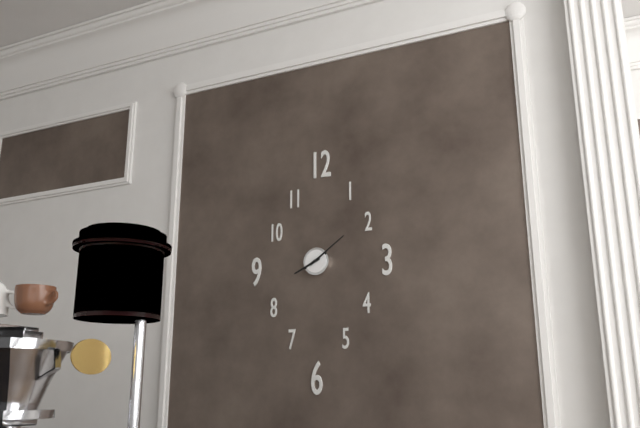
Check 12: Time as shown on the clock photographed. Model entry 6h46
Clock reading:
8h09
